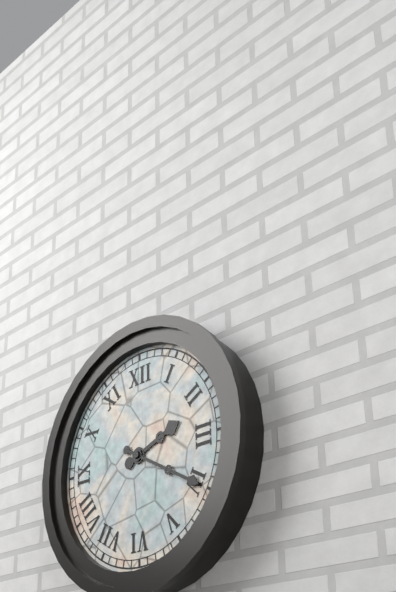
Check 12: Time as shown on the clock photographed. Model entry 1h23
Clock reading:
2h20
